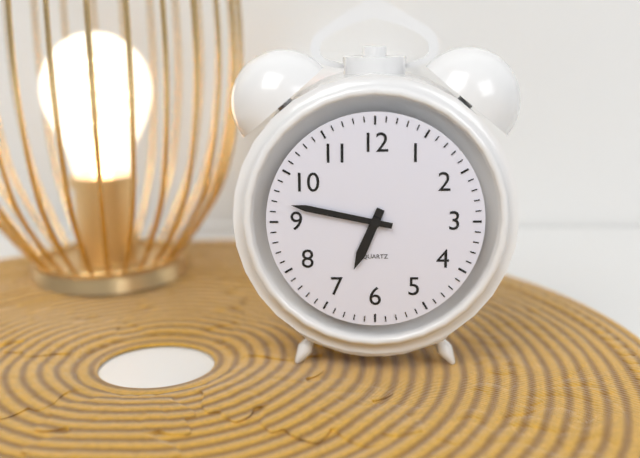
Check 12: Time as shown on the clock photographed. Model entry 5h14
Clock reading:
6h47
